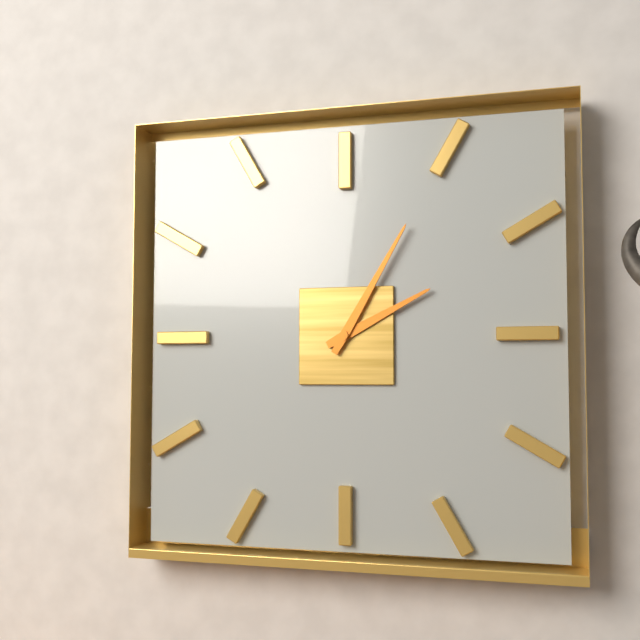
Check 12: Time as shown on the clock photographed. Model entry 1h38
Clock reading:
2h05
